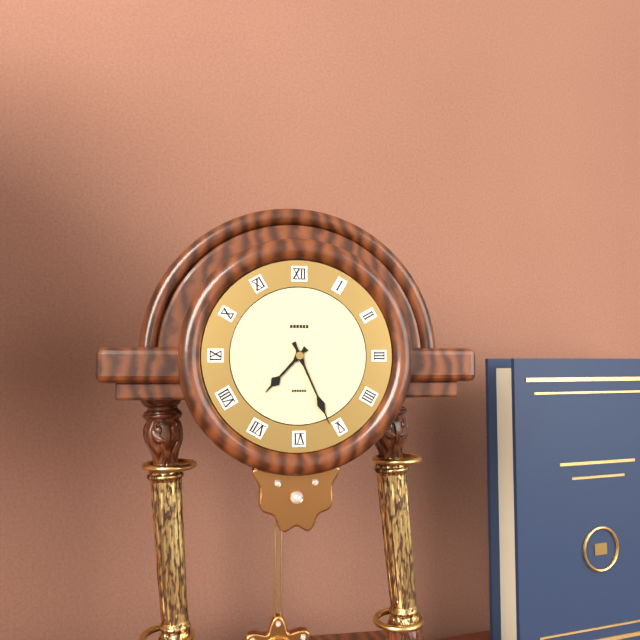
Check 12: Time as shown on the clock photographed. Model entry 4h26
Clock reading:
7h26
